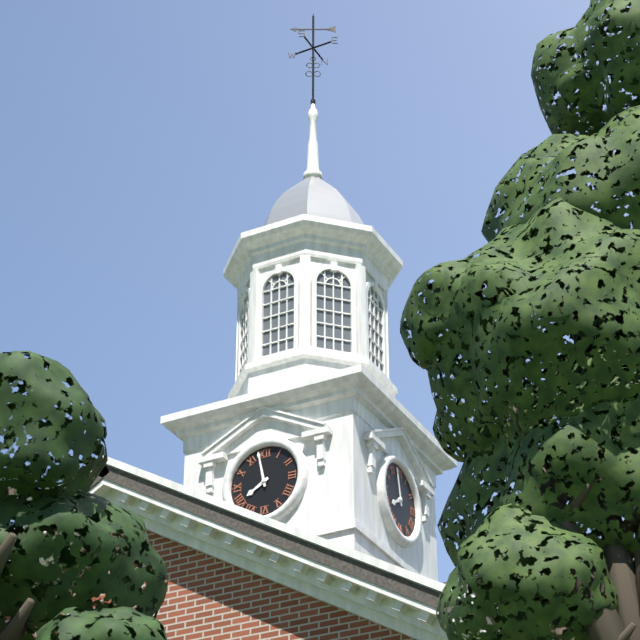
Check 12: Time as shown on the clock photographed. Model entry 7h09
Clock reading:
7h58
